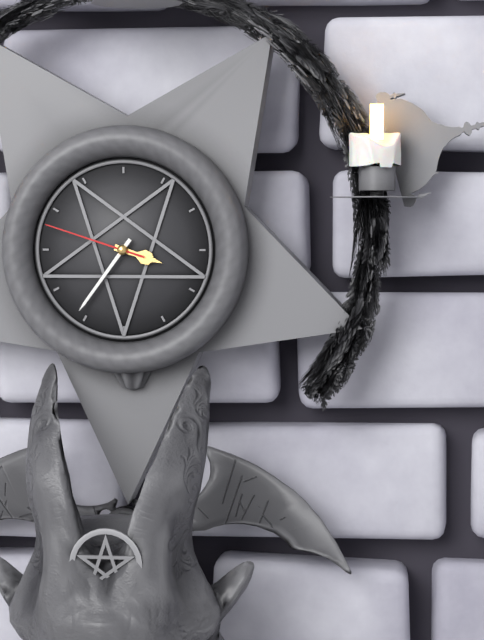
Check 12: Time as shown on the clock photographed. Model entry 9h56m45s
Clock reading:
3h36m48s
